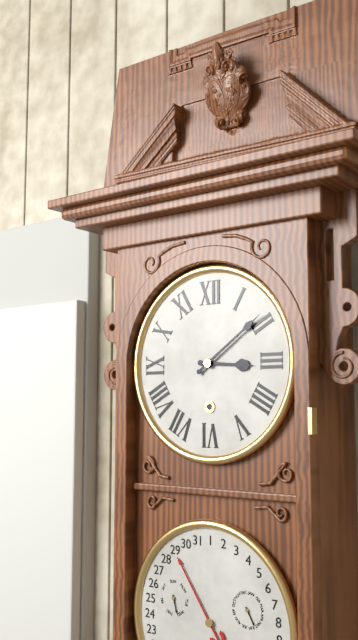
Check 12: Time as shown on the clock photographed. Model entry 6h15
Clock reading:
3h09
